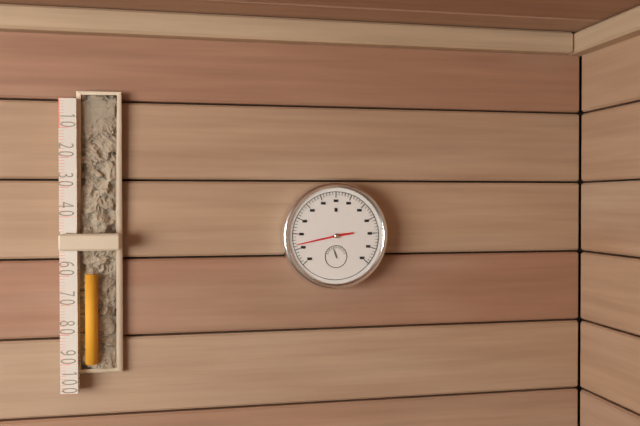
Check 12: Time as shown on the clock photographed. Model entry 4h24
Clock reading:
2h43
